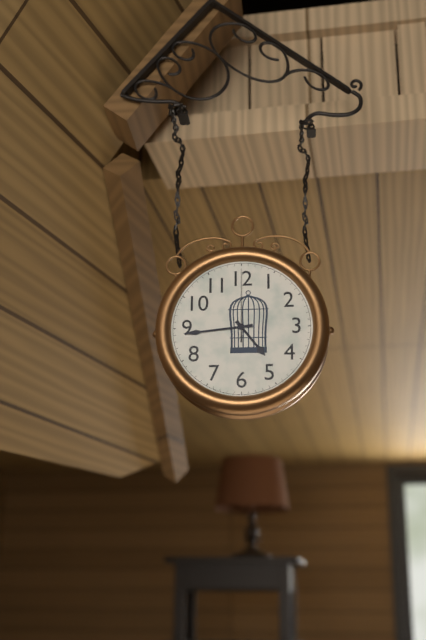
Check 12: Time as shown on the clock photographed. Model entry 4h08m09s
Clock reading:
4h44m00s
